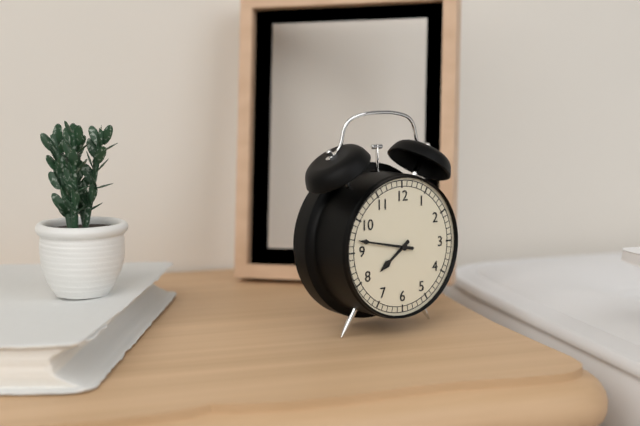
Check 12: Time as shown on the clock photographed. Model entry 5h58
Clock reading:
7h47
